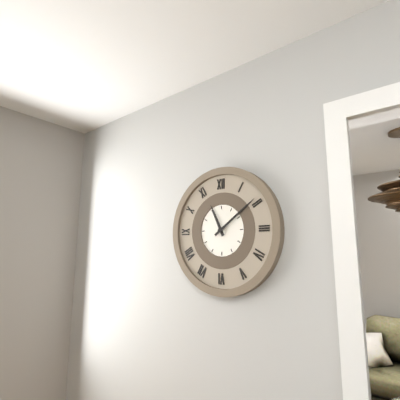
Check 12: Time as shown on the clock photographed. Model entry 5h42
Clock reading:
11h09
